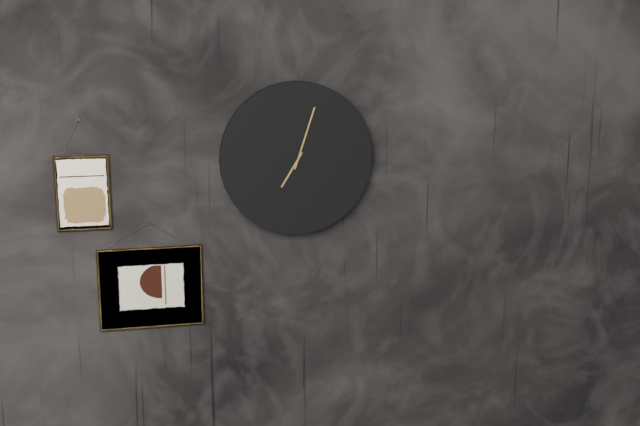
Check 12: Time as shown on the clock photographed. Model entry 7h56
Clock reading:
7h03
